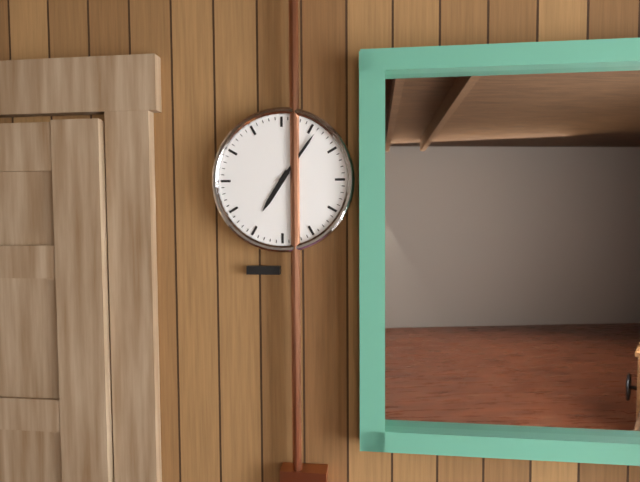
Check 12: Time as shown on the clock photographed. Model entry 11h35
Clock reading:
7h06
